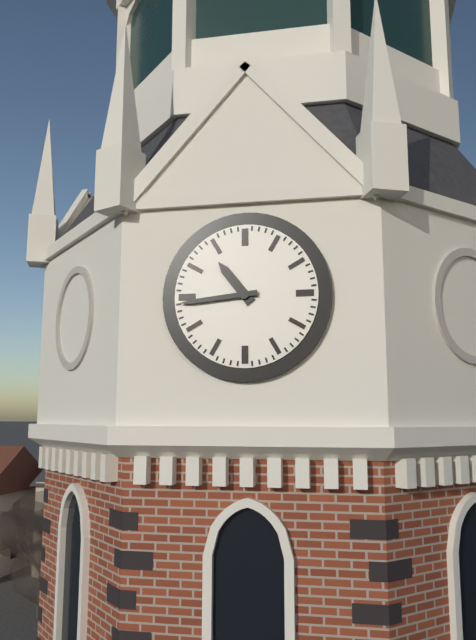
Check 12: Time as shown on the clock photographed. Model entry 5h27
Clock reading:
10h44
